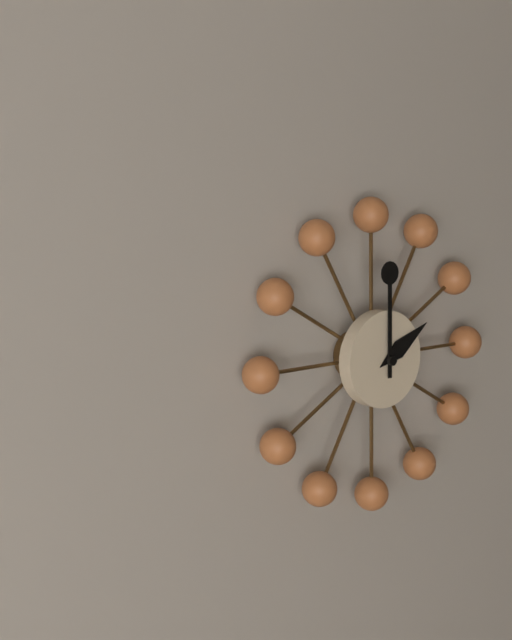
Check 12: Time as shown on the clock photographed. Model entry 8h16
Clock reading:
2h00
